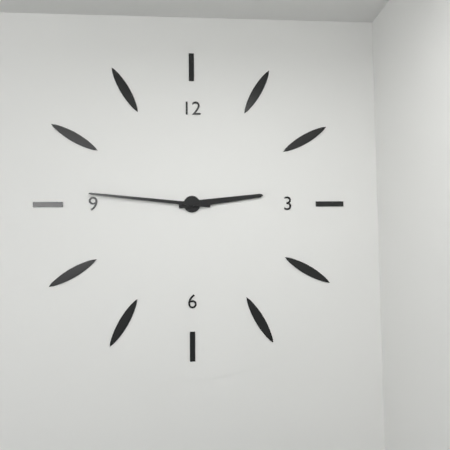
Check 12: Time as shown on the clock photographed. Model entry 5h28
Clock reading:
2h46
